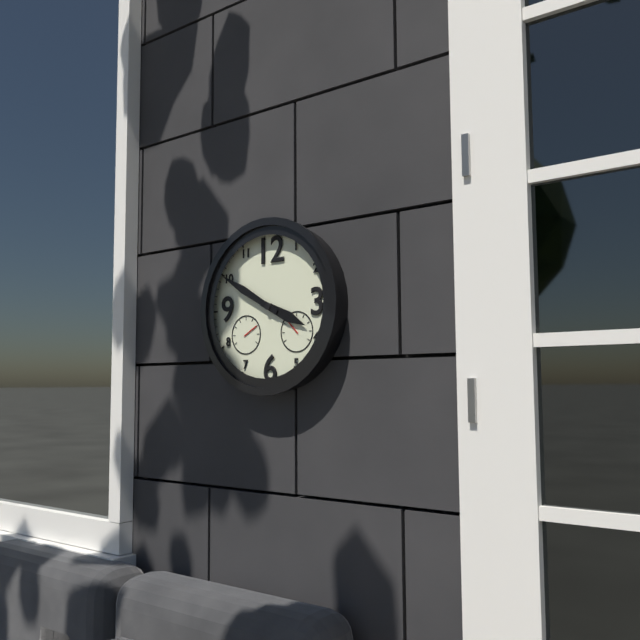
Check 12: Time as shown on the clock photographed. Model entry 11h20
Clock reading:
3h50
